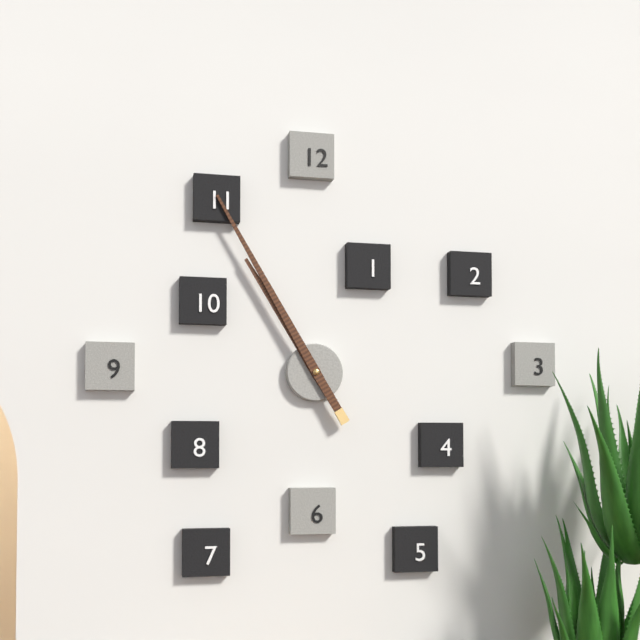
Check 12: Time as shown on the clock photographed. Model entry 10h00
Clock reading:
10h55
